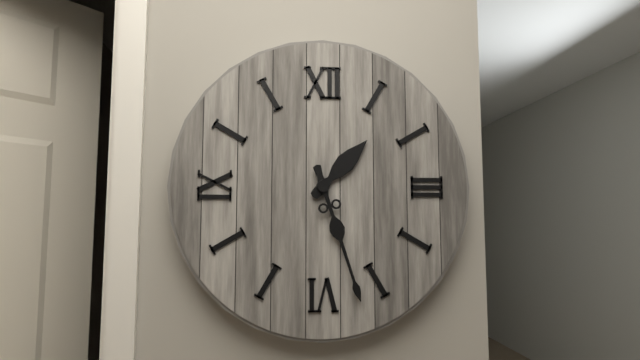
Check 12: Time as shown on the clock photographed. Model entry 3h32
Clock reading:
1h27
